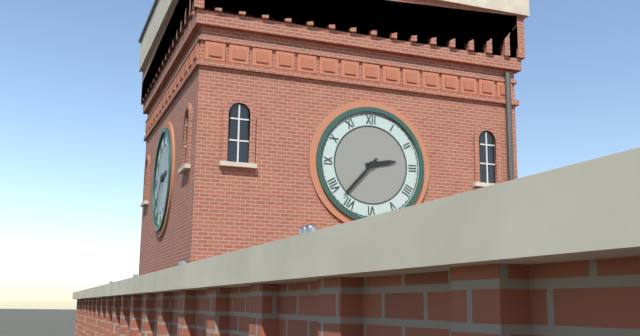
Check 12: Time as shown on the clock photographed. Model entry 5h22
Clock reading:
2h37
